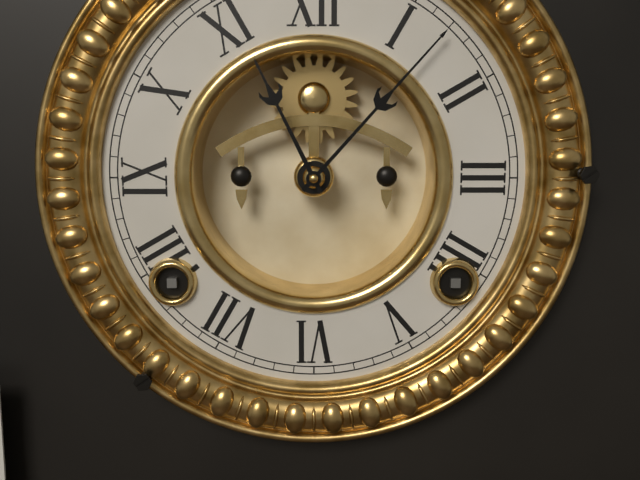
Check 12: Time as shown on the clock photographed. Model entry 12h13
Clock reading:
11h07
